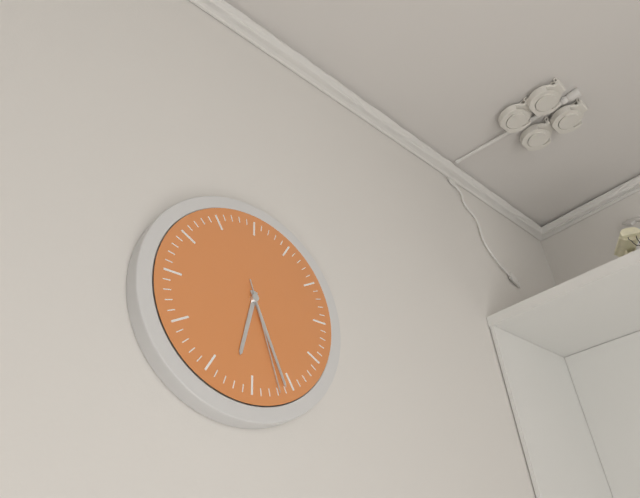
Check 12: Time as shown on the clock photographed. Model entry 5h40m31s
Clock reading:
6h26m27s
